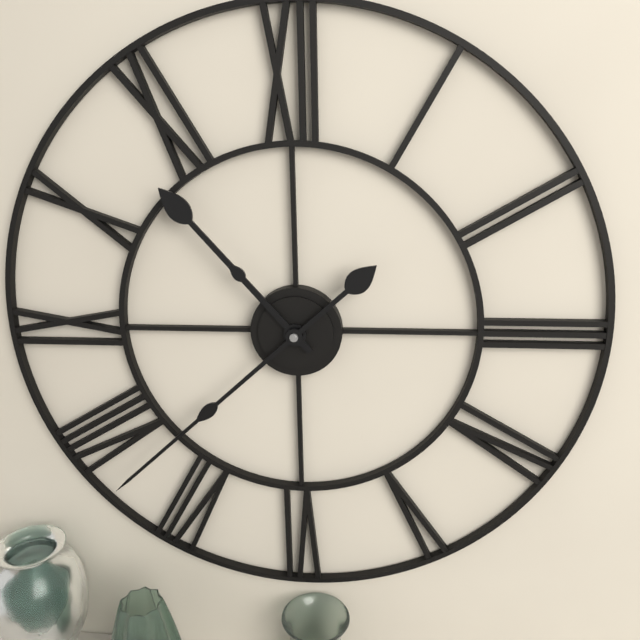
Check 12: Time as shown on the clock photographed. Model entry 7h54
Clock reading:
10h38
